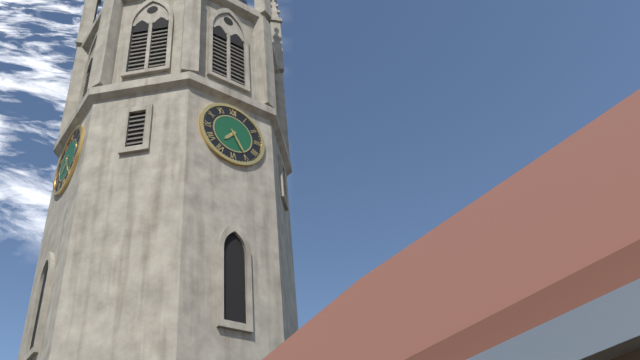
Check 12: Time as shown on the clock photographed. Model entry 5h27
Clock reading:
7h25
